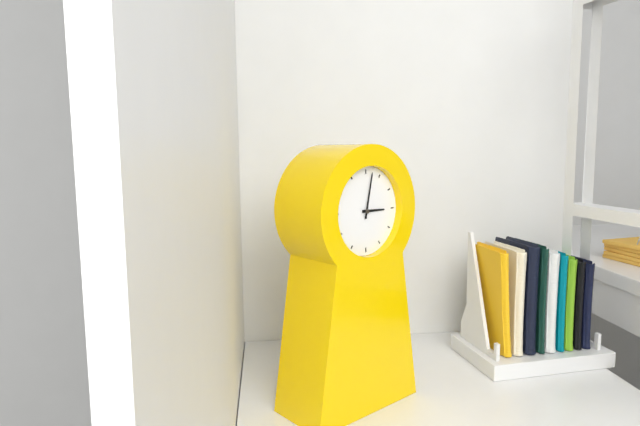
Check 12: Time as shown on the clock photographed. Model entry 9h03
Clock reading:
3h02
